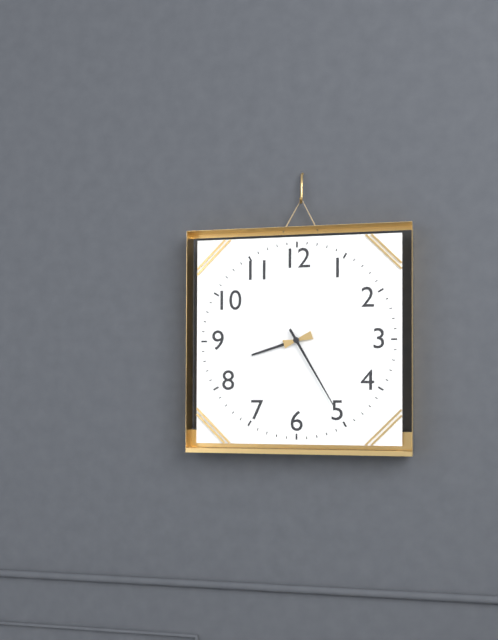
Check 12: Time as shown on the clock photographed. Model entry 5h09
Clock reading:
8h25
